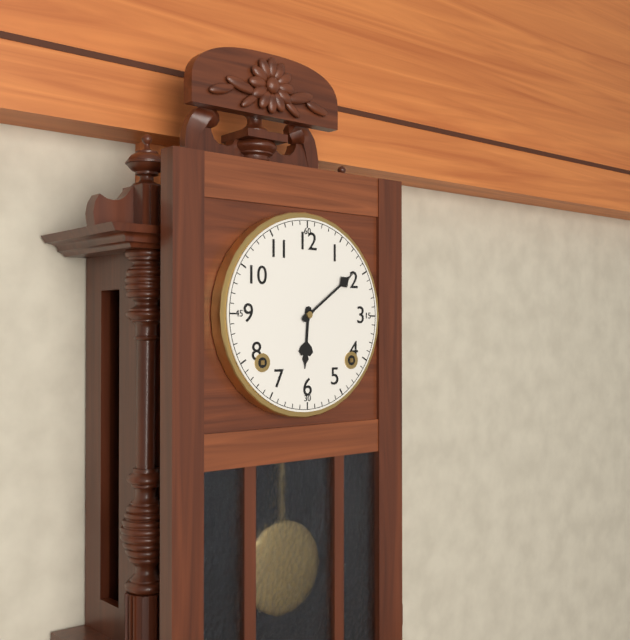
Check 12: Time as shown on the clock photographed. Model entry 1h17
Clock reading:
6h09
